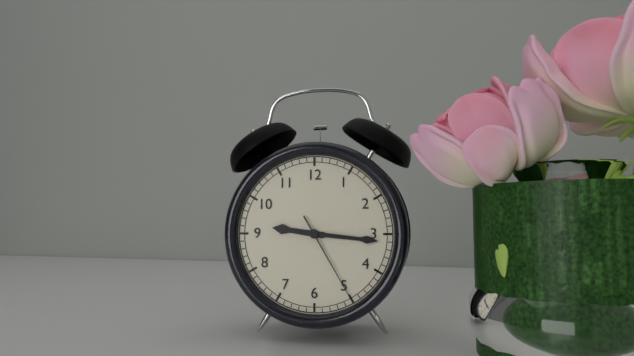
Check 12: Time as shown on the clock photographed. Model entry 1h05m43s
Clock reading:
9h16m25s
